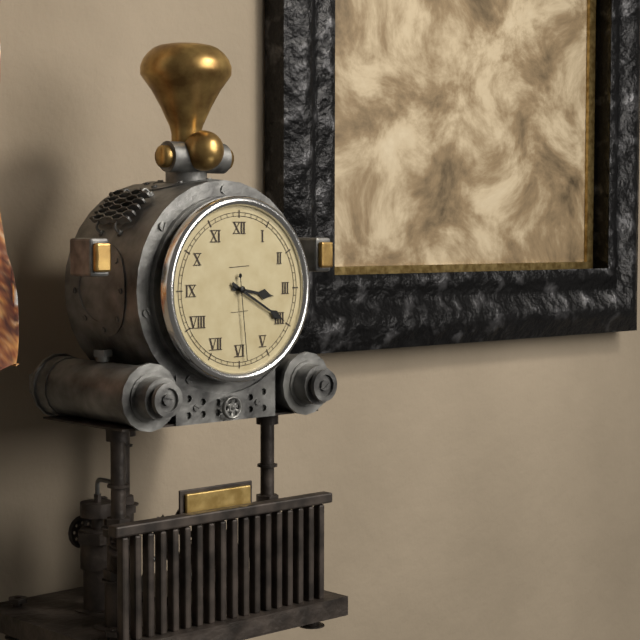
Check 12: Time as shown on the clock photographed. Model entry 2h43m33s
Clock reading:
3h20m29s
